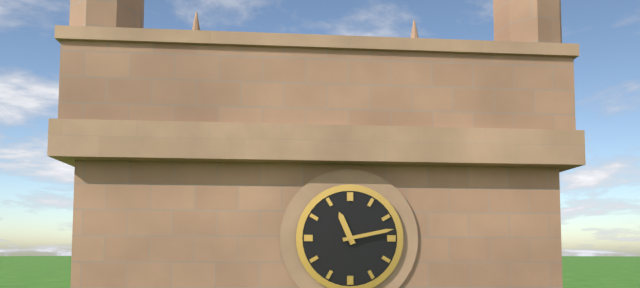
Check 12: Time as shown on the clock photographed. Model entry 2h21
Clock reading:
11h13
